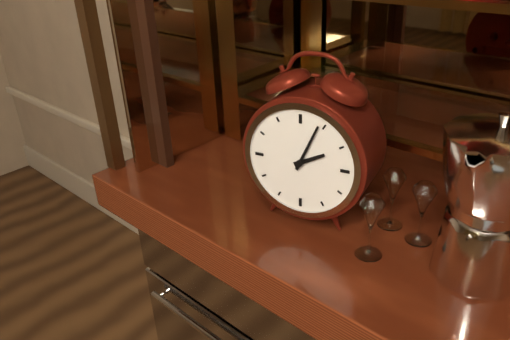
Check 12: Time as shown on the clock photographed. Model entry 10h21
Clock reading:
2h04
